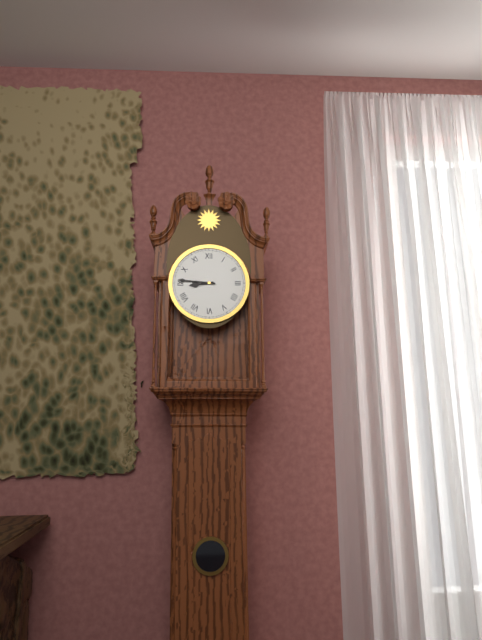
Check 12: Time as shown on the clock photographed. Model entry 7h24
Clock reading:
8h46
